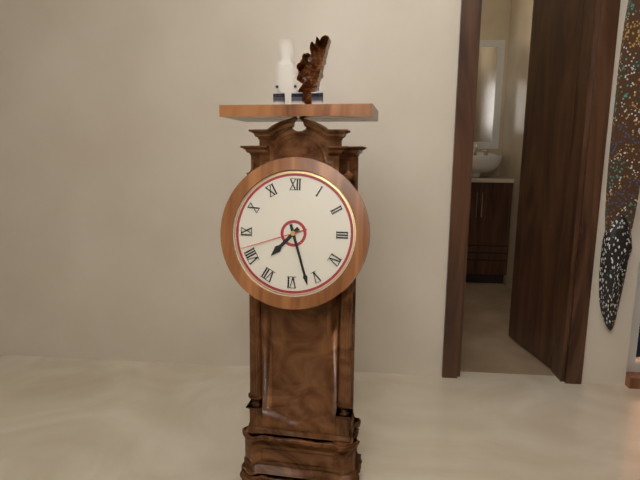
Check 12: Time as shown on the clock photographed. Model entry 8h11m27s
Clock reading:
7h27m42s
